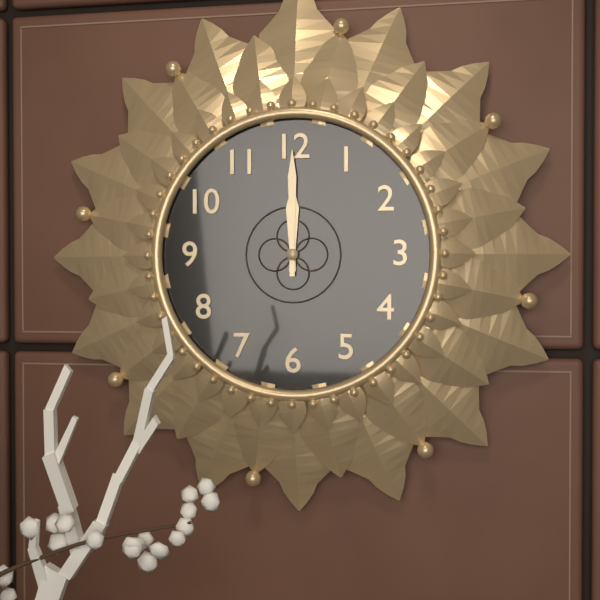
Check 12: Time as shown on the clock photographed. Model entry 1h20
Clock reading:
12h00
